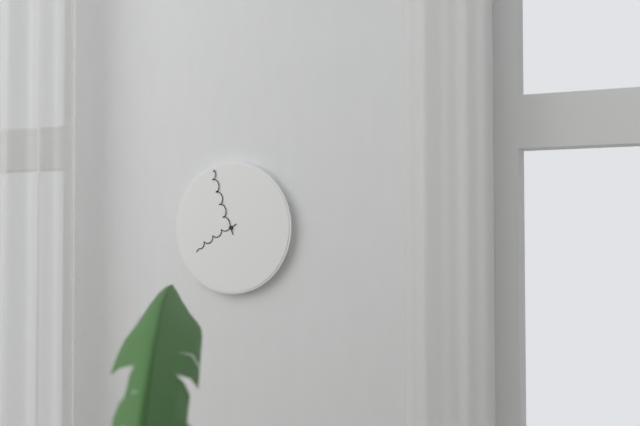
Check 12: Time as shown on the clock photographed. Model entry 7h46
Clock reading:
7h57
